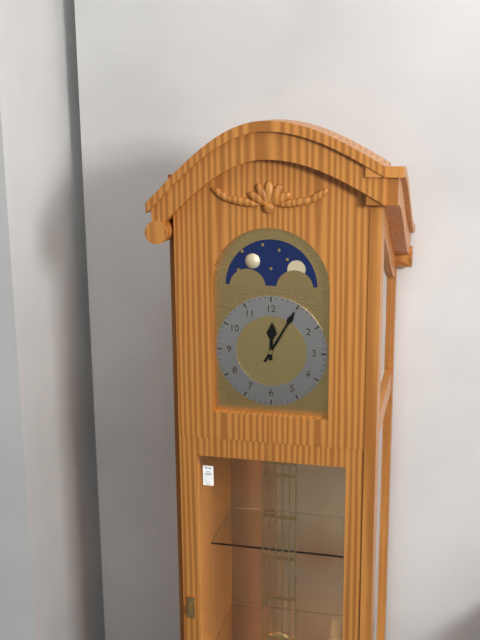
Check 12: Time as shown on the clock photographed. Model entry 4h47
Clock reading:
12h05
